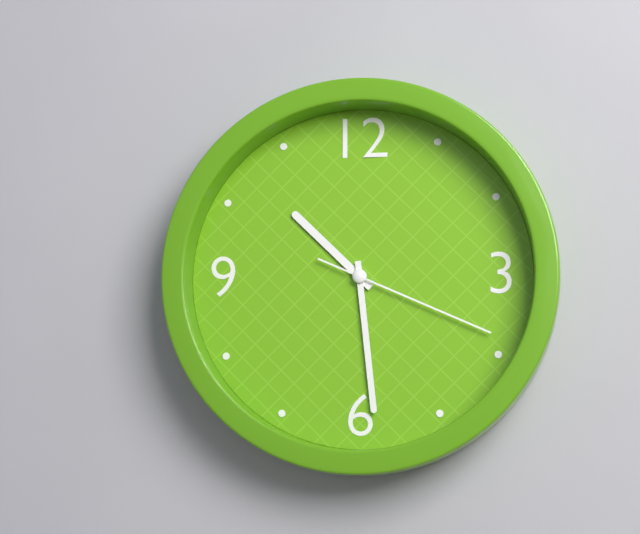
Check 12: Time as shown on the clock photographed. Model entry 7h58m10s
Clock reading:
10h29m19s
